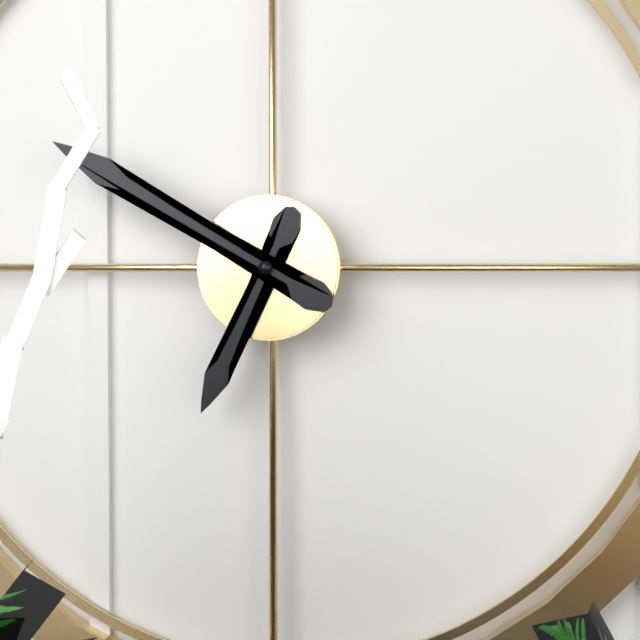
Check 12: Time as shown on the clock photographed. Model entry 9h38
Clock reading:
6h50
